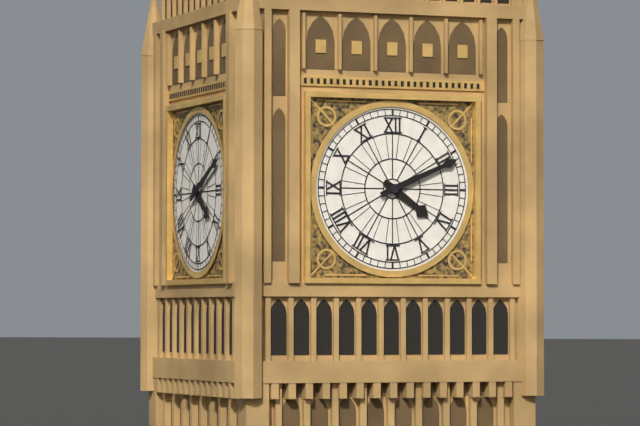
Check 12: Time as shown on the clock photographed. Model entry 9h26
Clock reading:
4h11
